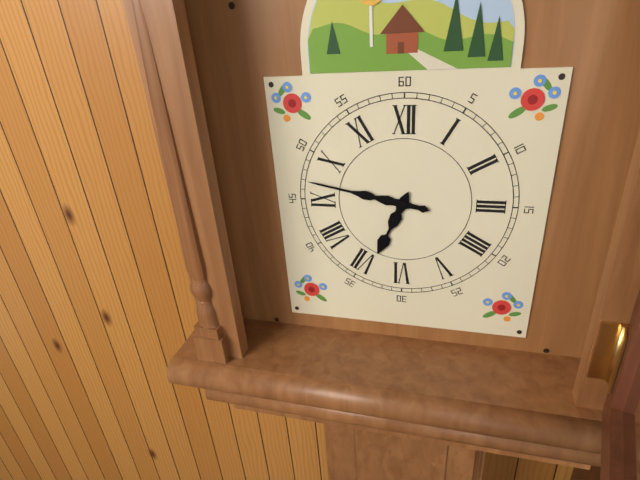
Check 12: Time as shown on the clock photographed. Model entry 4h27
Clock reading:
6h47
